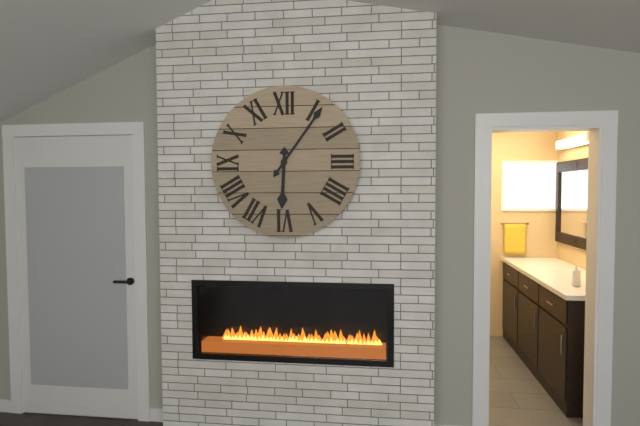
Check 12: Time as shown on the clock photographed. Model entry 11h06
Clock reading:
6h06
